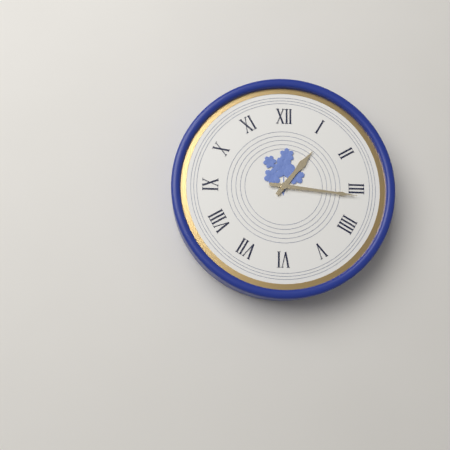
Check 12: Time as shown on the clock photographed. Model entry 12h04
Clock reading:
1h16
